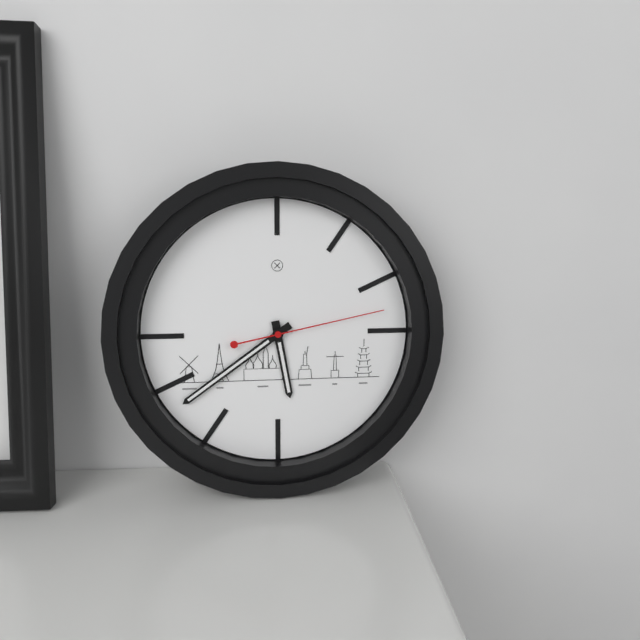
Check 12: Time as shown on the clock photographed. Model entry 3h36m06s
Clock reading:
5h39m13s
